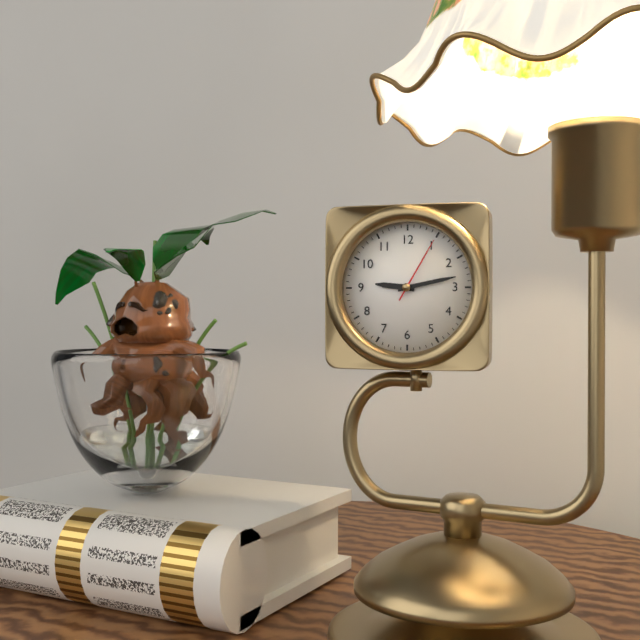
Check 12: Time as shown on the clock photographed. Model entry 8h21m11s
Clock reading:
9h13m05s
